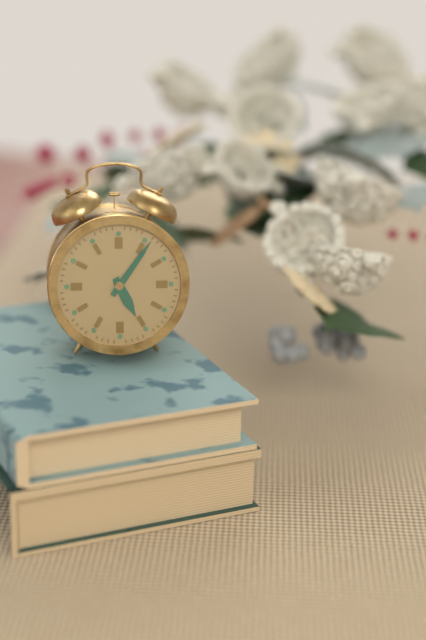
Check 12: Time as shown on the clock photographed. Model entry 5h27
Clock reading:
5h06
